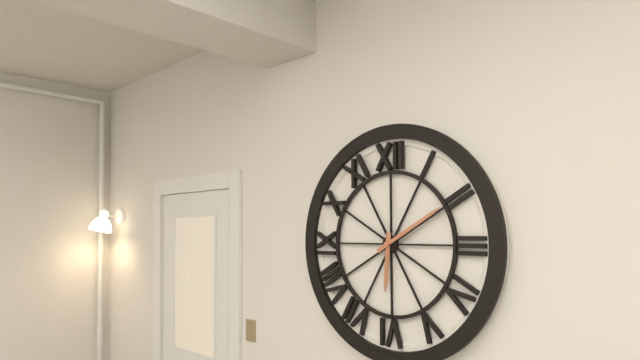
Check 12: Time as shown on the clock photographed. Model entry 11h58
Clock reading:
6h10
